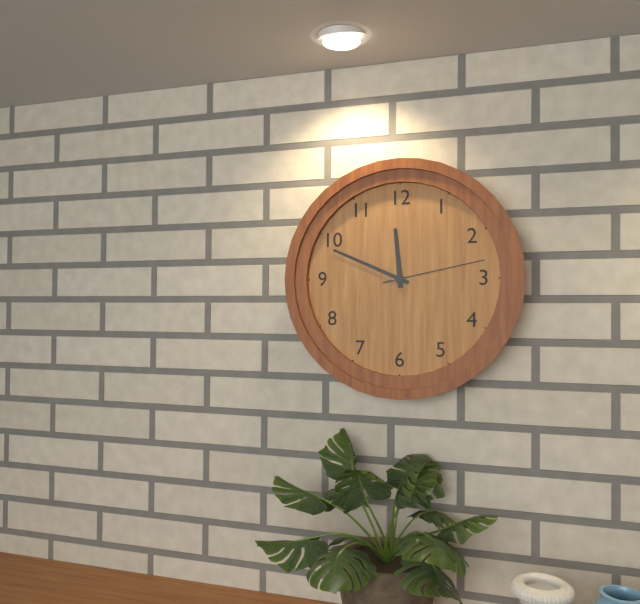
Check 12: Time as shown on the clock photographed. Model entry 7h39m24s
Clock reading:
11h49m13s
